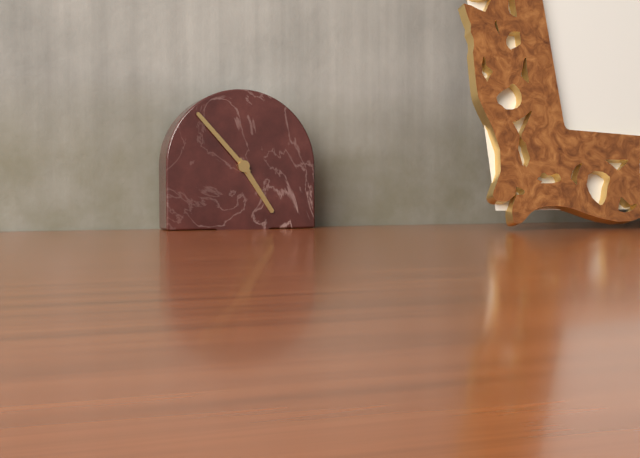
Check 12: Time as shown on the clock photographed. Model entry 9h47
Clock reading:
4h53
